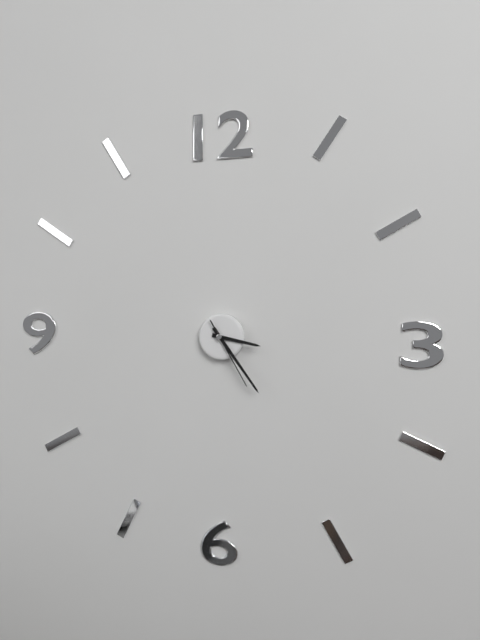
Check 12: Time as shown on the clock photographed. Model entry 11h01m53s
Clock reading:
3h24m25s
